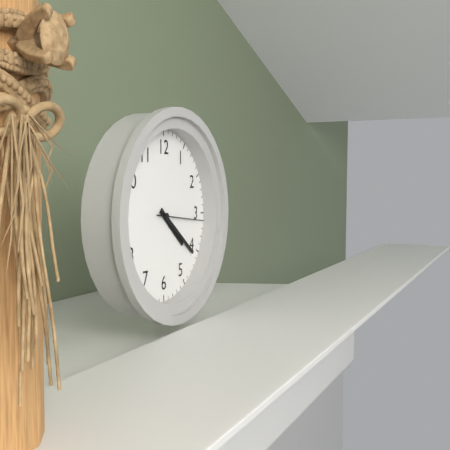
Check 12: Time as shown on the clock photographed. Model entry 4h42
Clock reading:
4h21
